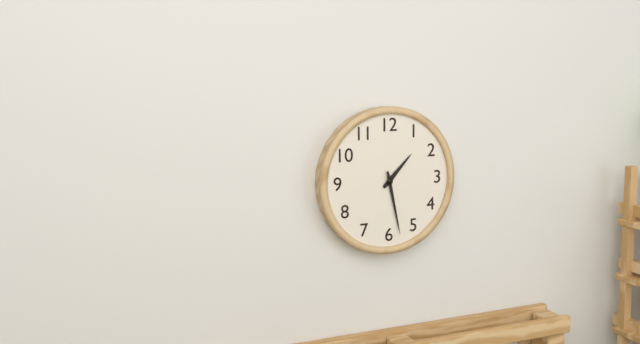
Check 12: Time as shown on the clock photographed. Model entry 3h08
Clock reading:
1h28
